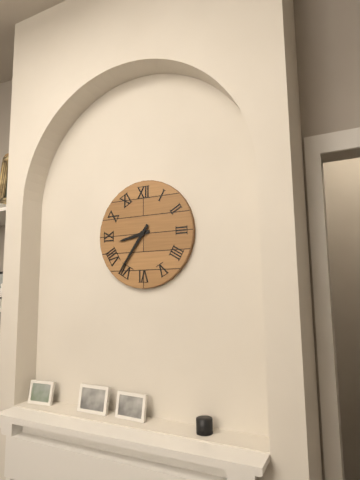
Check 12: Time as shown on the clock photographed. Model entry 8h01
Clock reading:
8h36
